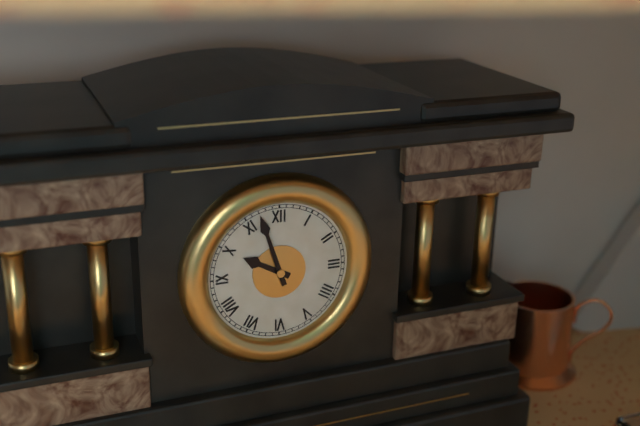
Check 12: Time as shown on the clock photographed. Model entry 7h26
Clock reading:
9h57
